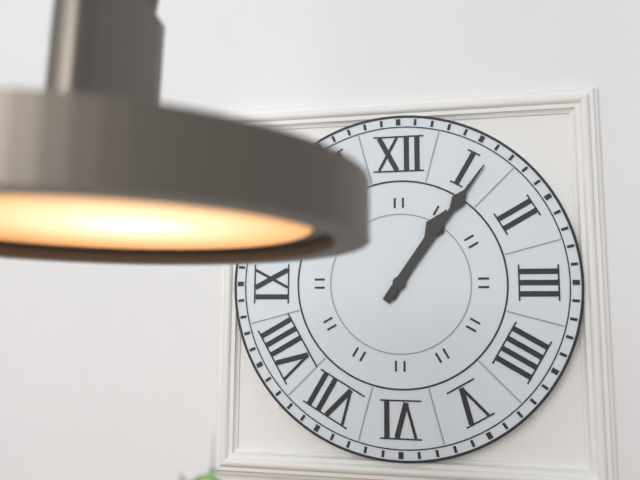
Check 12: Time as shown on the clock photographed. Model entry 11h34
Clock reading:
1h06
